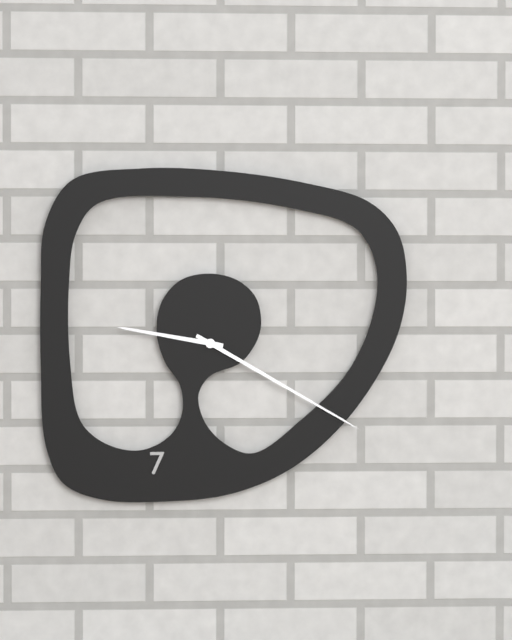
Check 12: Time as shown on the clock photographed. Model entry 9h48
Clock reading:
9h20
